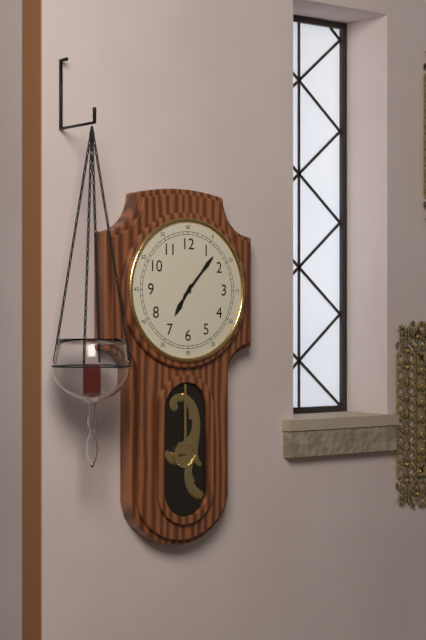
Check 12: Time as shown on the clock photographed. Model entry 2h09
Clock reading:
7h07
